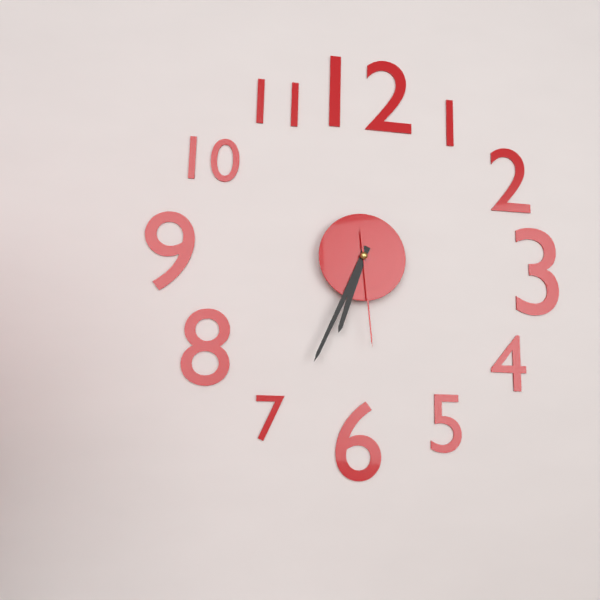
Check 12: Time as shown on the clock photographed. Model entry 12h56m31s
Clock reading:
6h34m29s
